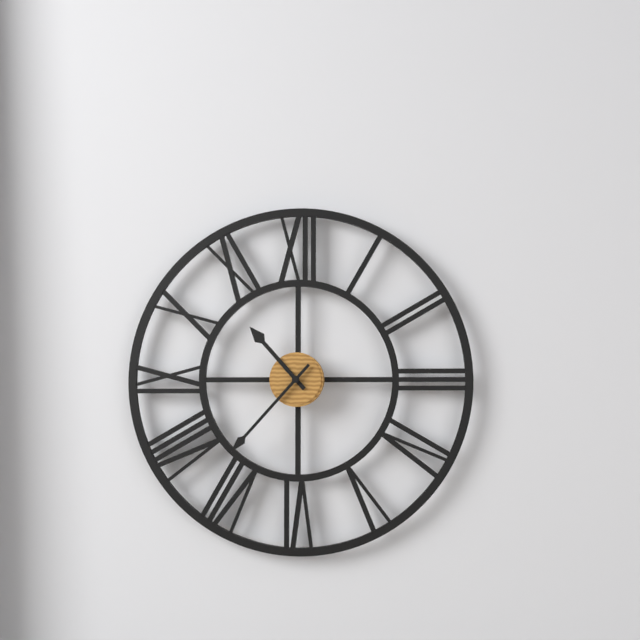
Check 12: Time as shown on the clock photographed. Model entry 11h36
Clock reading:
10h37
